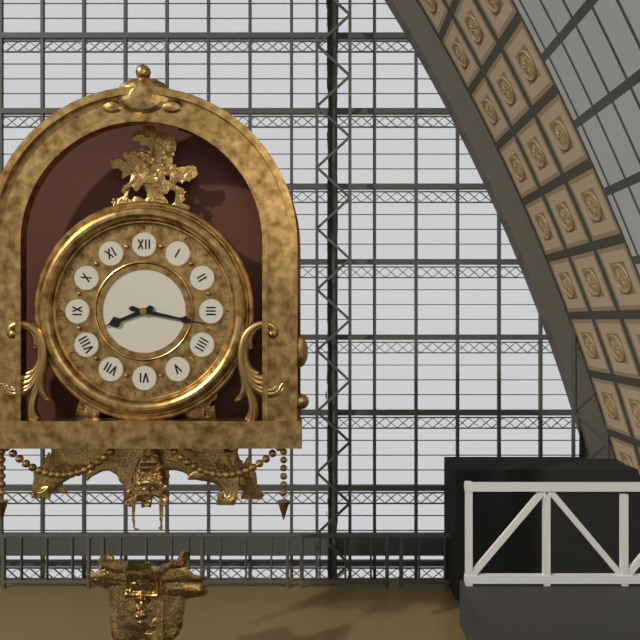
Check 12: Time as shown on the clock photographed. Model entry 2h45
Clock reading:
8h17
